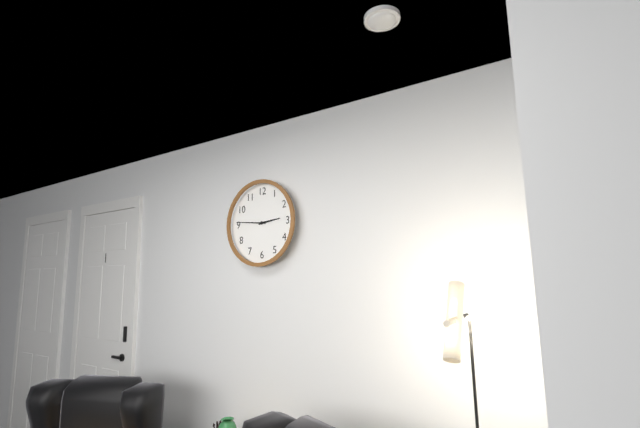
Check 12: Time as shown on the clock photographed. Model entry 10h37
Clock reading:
2h46
